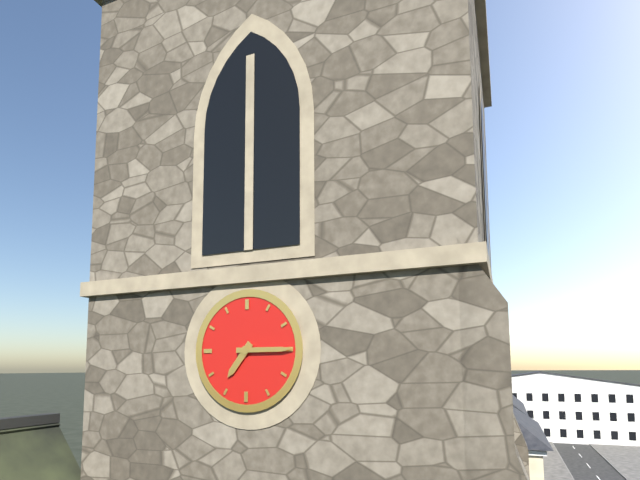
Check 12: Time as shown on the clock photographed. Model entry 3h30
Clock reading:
7h15
